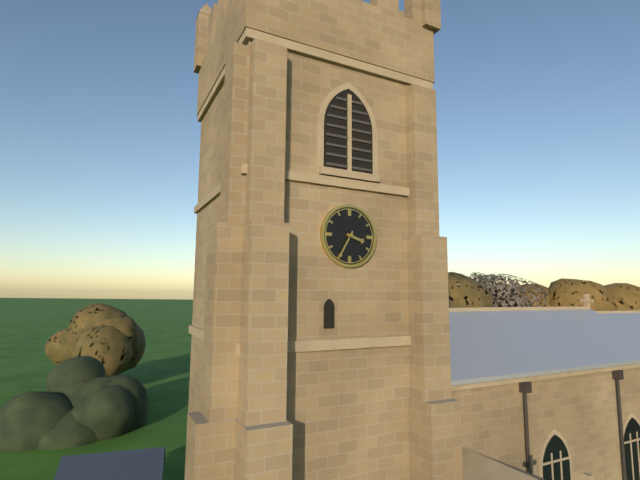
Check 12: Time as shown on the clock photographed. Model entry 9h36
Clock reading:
3h35
